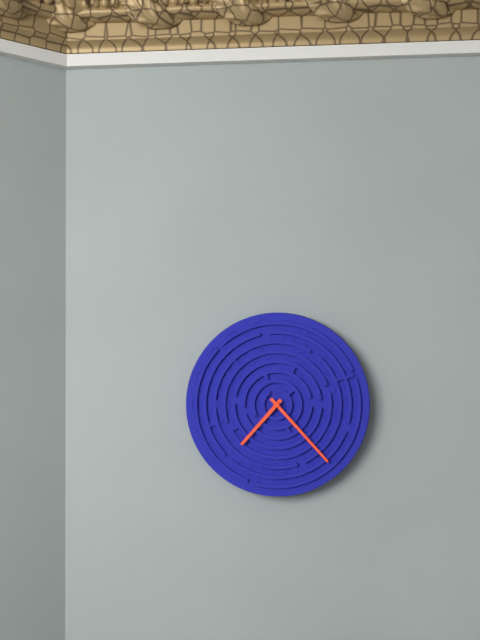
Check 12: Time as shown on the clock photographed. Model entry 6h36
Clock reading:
7h23
